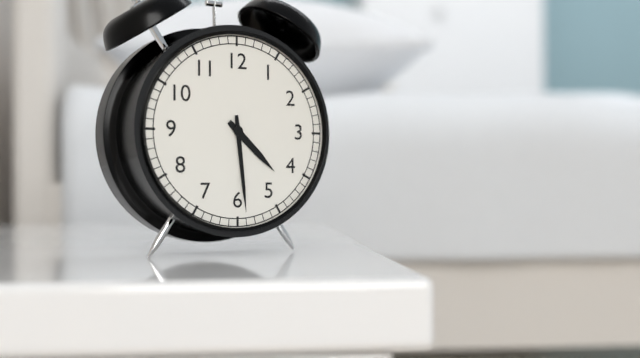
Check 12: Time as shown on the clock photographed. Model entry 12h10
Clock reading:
4h29
